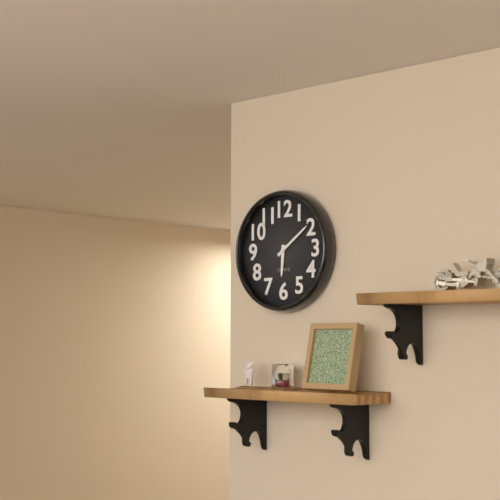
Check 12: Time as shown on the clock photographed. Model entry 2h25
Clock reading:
6h09
